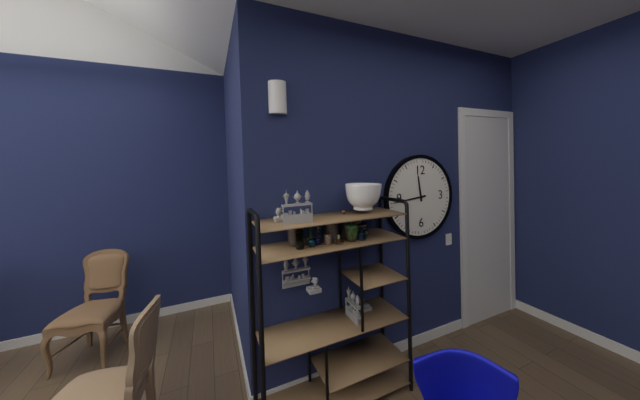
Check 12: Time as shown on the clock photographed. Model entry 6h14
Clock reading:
11h44
